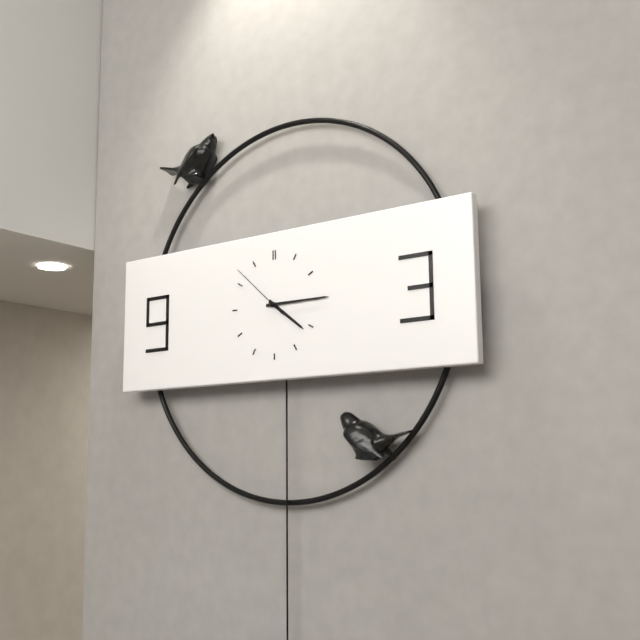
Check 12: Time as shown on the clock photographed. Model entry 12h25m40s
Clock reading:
4h15m52s
